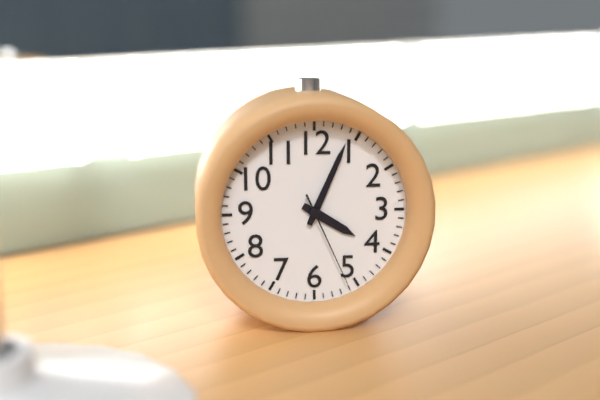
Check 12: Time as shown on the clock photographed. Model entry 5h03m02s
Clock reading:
4h04m26s
